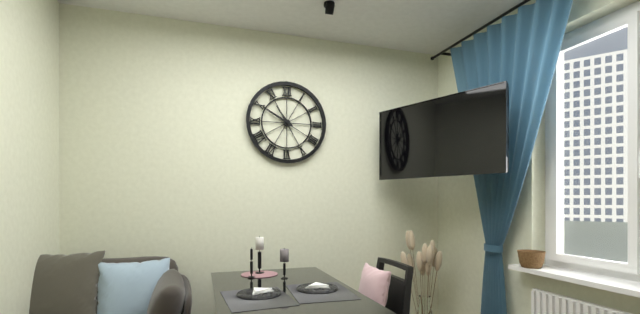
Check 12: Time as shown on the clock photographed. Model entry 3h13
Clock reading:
10h50
